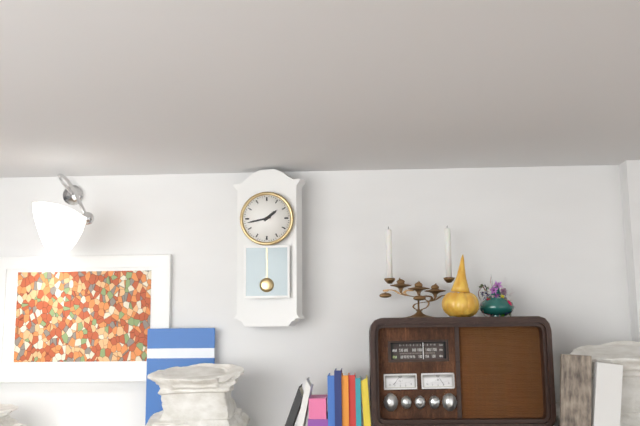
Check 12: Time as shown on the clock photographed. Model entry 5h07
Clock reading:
1h43
